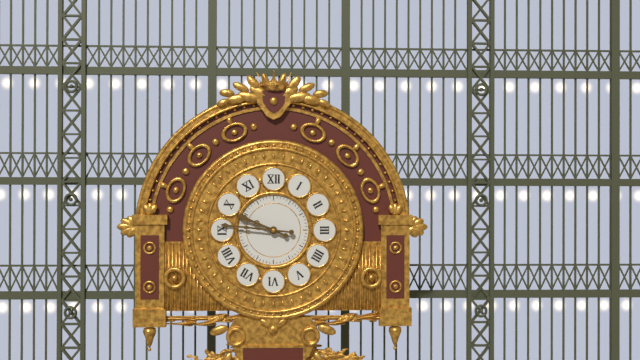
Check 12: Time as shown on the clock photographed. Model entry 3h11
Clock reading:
9h46
